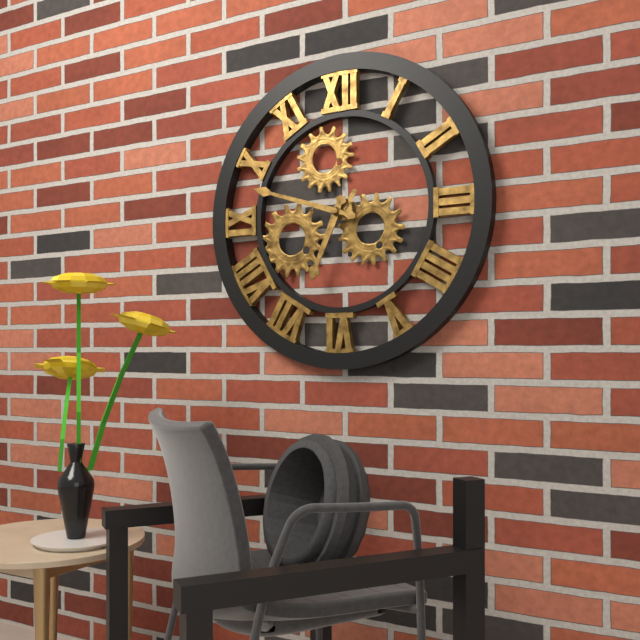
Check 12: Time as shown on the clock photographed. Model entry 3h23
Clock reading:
6h48
